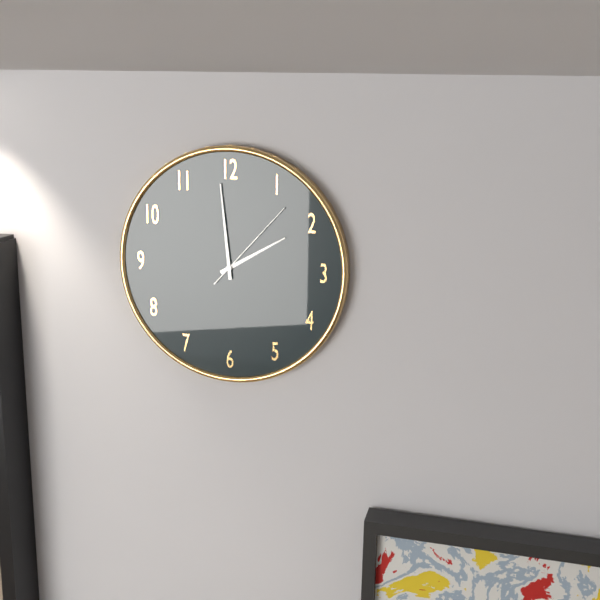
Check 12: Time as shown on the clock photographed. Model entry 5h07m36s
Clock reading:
1h59m07s
